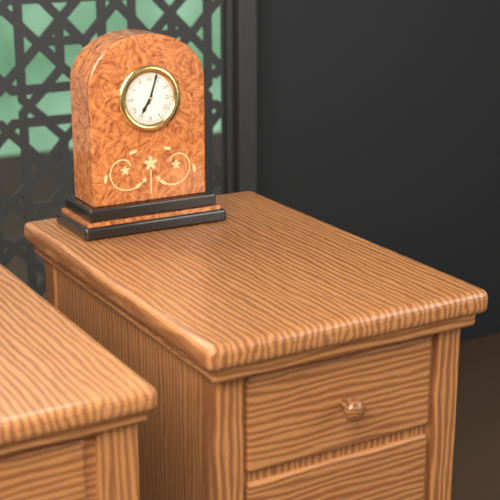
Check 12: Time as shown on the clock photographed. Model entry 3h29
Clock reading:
7h03
